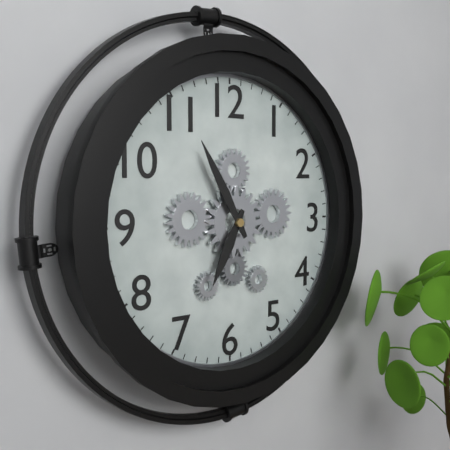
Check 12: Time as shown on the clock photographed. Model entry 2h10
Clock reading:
6h55
